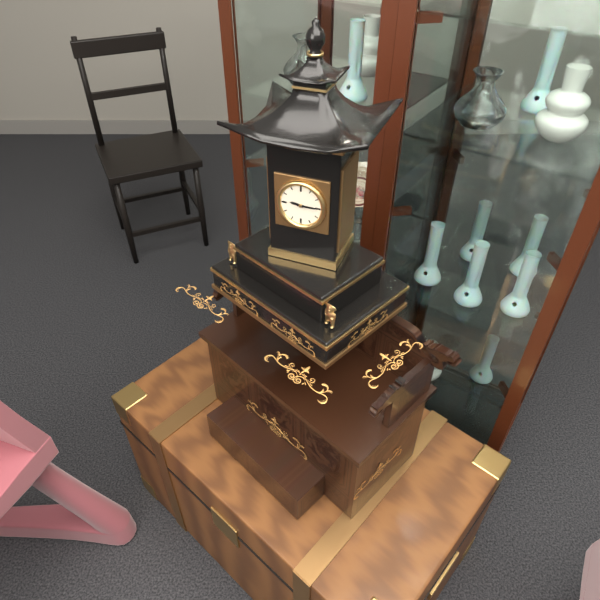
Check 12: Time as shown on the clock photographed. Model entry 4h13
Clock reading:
9h15
